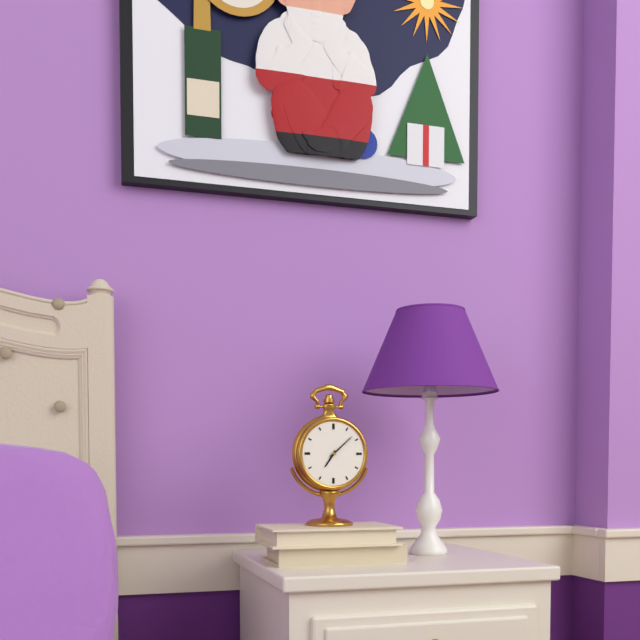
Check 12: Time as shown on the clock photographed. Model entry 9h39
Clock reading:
7h08
